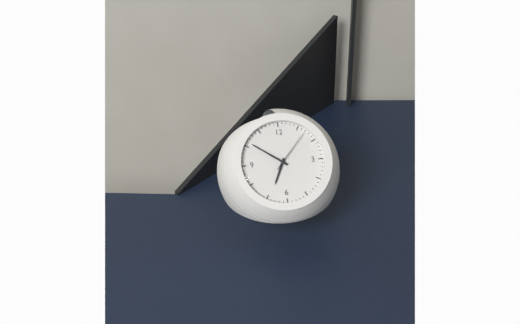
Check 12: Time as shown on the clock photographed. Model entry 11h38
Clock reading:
6h51
